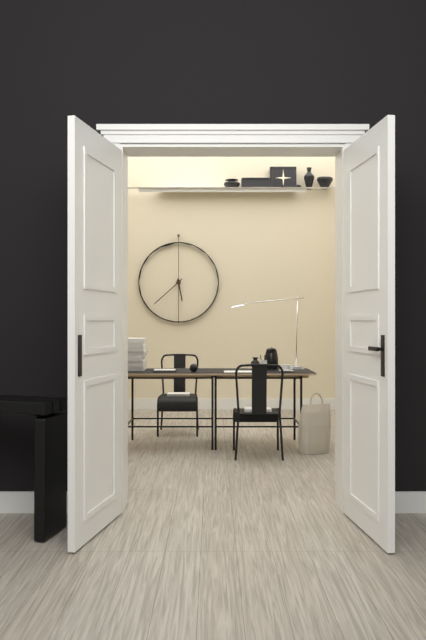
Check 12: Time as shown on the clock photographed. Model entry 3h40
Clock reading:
5h38
